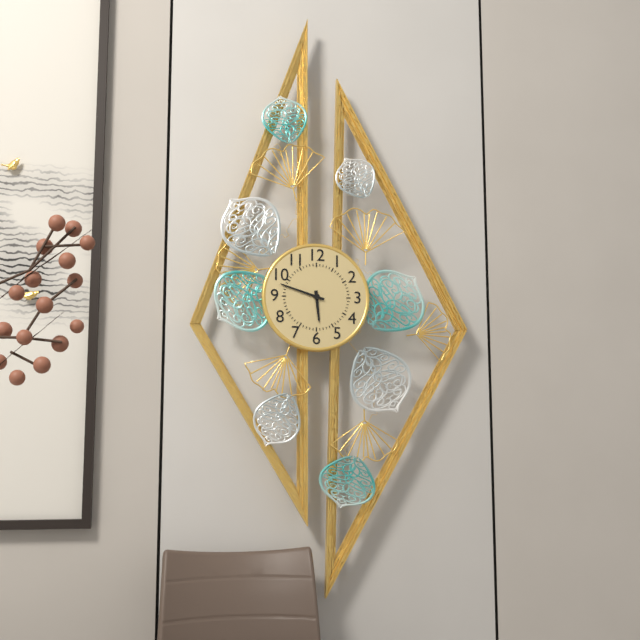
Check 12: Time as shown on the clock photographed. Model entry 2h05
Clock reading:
5h48
